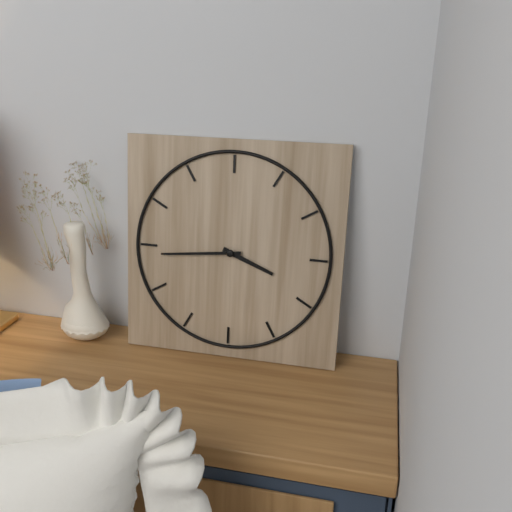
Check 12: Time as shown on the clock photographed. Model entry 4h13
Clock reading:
3h44
